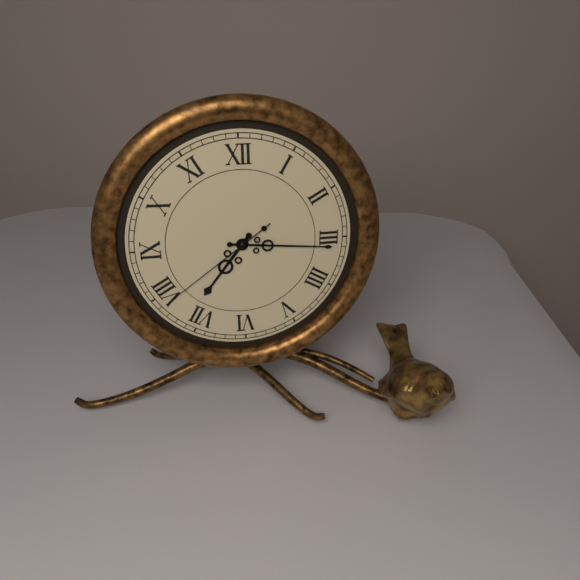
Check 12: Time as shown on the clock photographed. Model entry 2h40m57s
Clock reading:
7h16m39s
